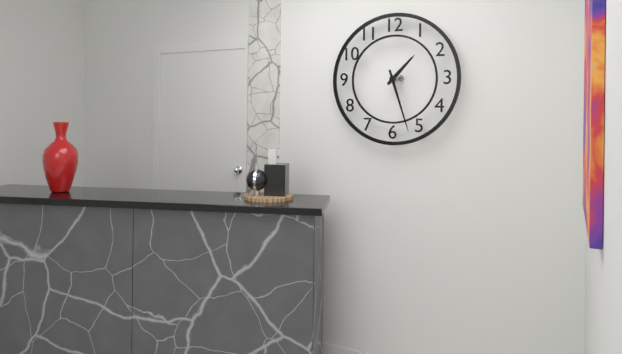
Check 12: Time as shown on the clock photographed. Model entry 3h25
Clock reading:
1h27
